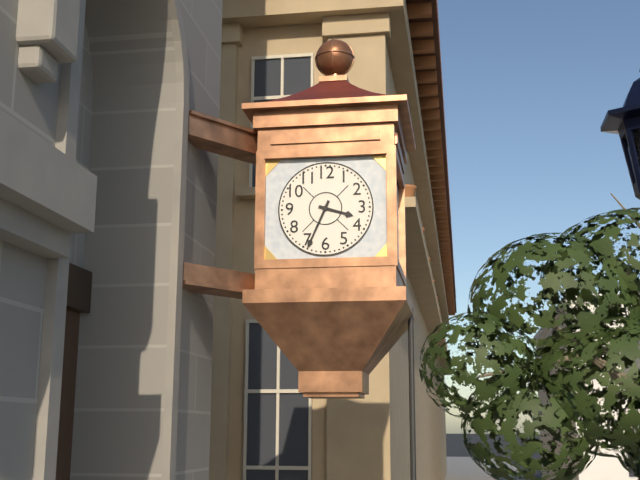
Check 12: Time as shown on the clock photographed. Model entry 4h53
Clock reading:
3h34
